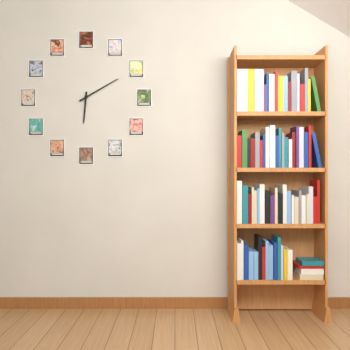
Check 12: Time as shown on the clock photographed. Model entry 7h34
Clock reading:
6h10
